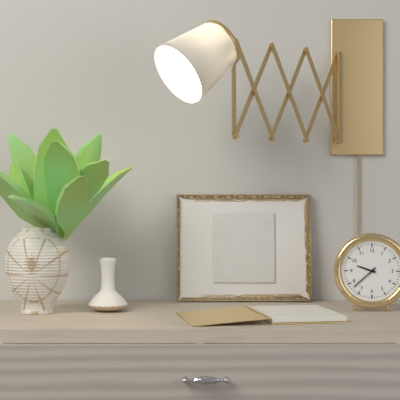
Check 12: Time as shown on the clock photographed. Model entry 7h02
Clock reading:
9h38
